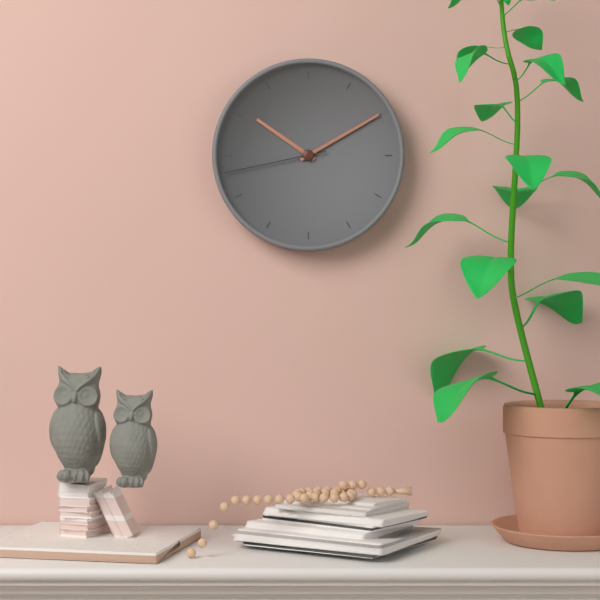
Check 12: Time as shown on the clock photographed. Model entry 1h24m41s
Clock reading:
10h10m43s
